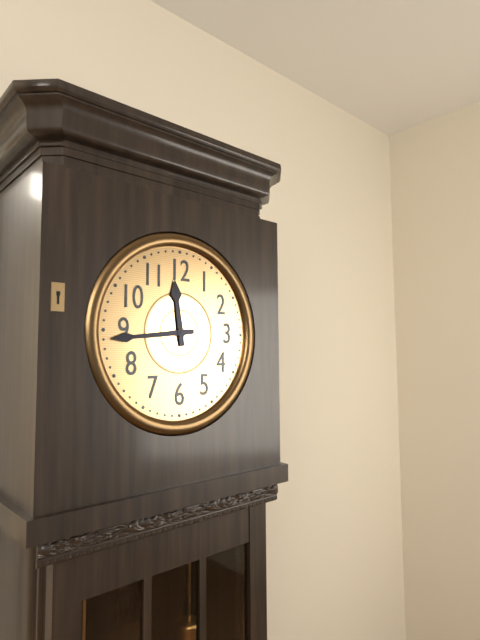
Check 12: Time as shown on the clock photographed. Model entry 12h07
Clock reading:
11h44
